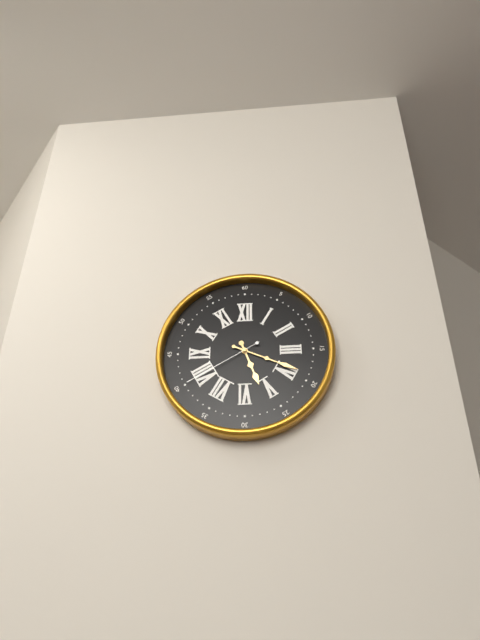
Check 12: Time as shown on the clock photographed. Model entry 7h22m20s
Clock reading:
5h19m40s
